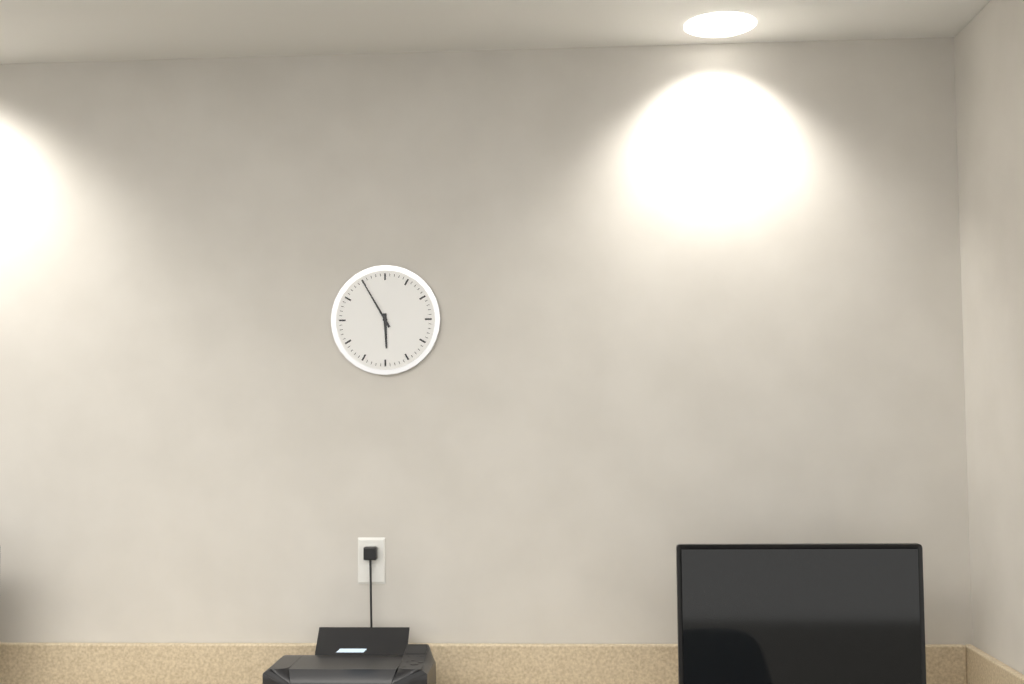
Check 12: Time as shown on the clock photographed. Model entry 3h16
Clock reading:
5h55
